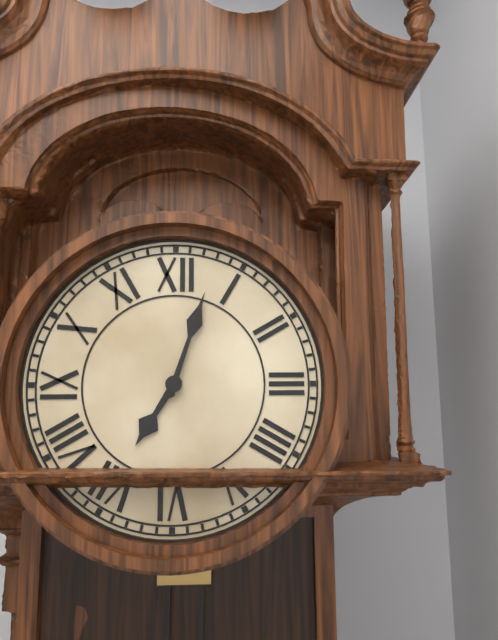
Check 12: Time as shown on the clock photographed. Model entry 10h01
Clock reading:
7h03
